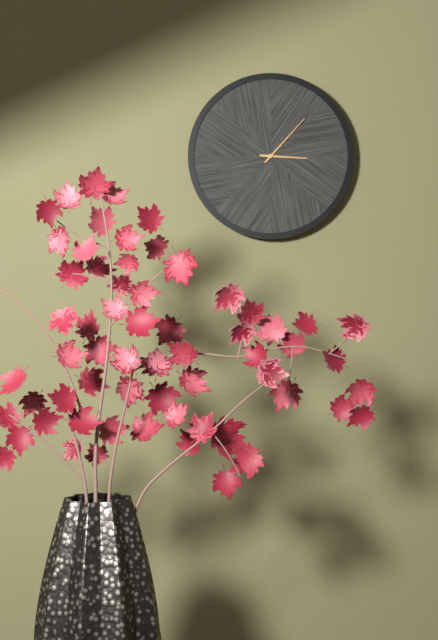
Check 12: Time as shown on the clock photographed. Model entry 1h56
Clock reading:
3h07
